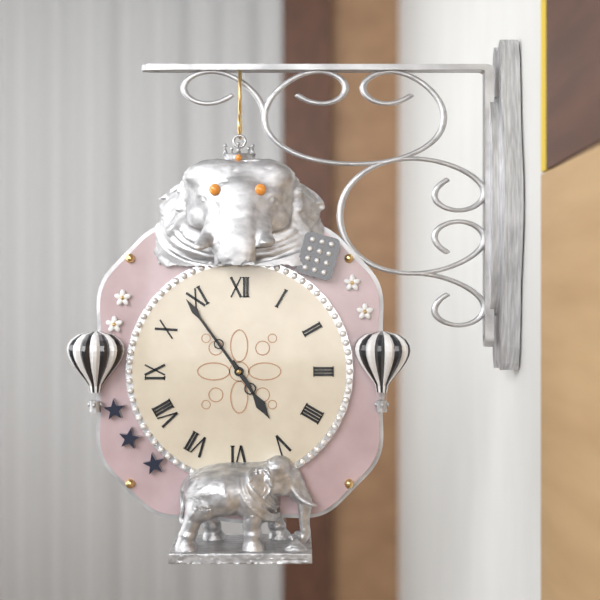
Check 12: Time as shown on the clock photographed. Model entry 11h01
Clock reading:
4h54
